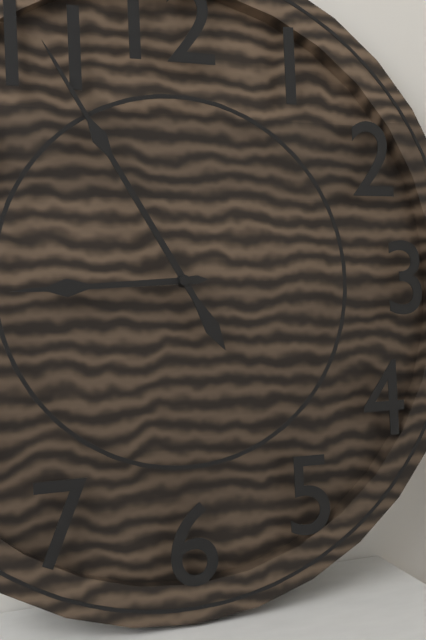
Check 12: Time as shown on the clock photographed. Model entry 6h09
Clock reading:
8h55
